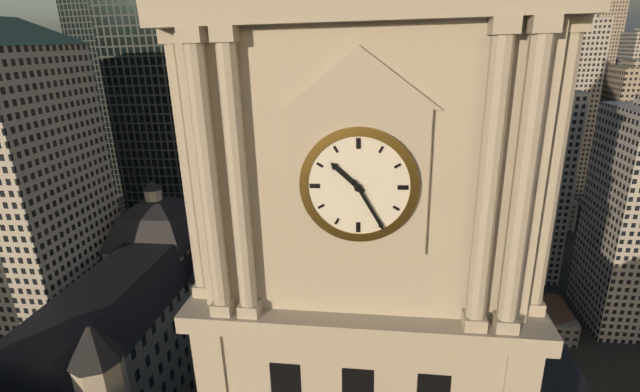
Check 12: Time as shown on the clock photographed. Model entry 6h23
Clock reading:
10h25
